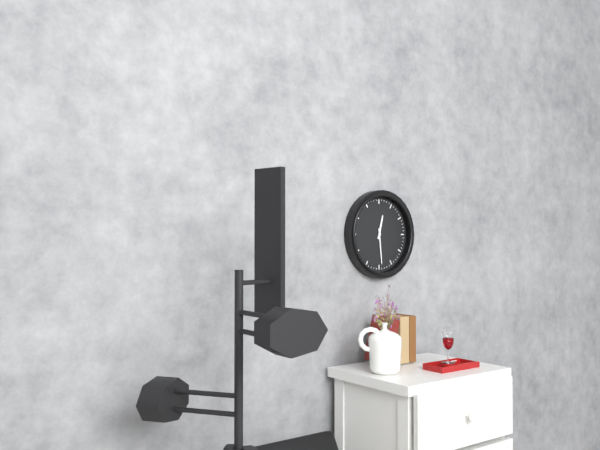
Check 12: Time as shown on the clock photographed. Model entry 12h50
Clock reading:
12h29
